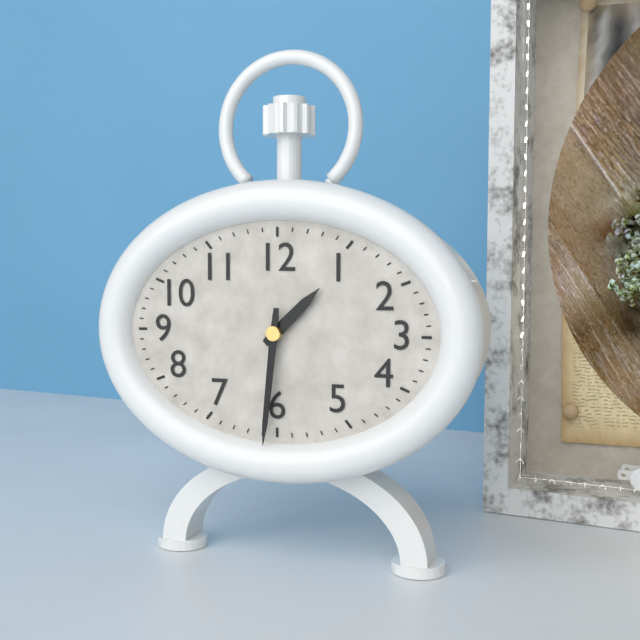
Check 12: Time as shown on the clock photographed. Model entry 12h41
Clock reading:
1h31
